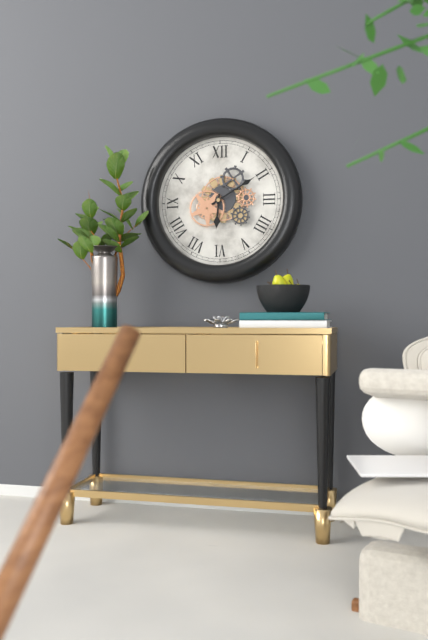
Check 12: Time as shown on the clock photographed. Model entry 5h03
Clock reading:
6h10
